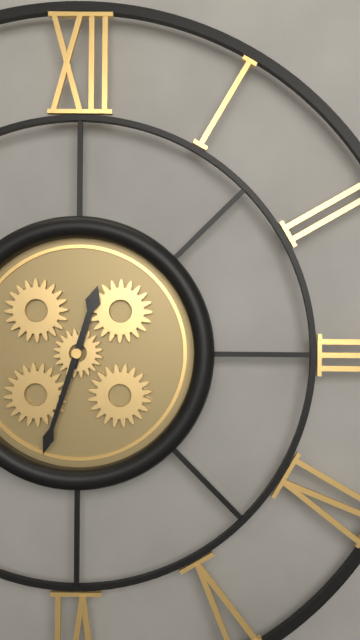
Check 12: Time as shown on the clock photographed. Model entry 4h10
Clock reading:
12h33
